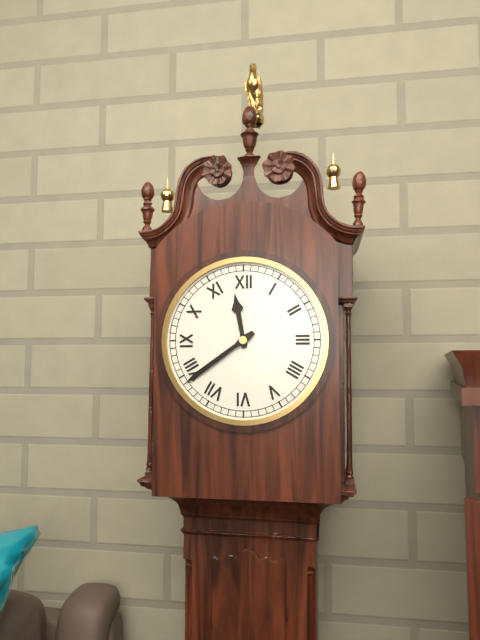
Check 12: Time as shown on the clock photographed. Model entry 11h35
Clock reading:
11h39
